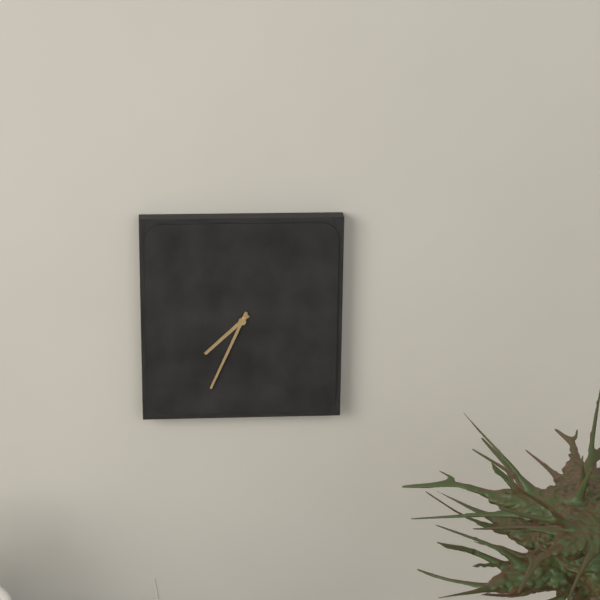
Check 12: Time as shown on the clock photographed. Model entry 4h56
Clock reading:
7h34
